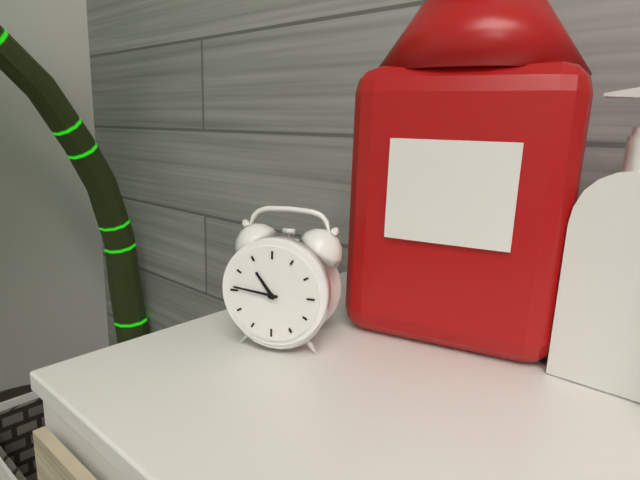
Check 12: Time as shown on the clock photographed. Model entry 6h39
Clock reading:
10h46
